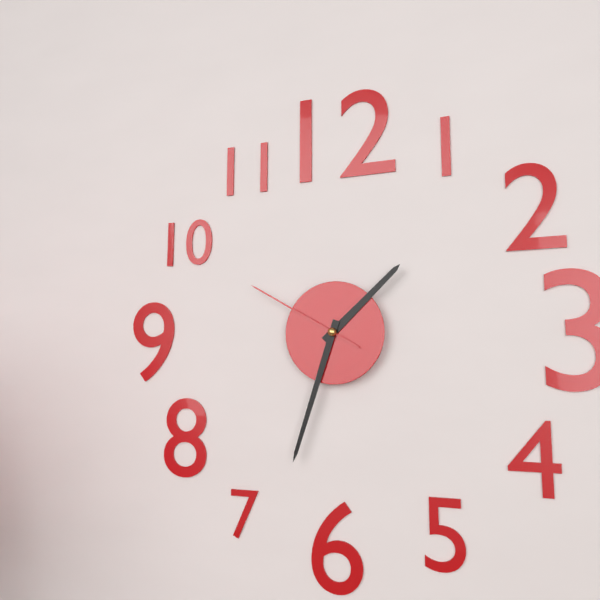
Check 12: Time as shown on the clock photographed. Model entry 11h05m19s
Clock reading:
1h33m50s
